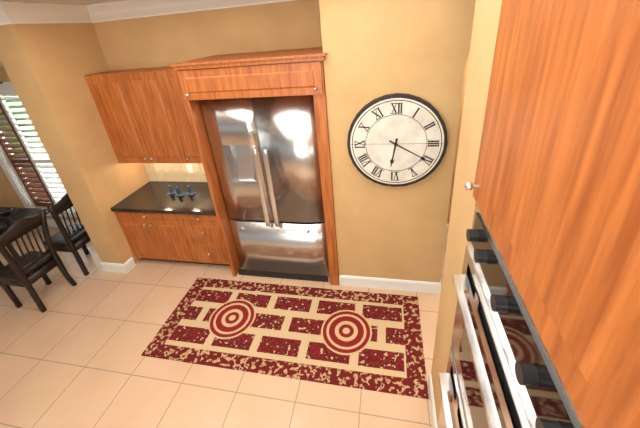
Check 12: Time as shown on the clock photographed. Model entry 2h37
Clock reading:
6h20
